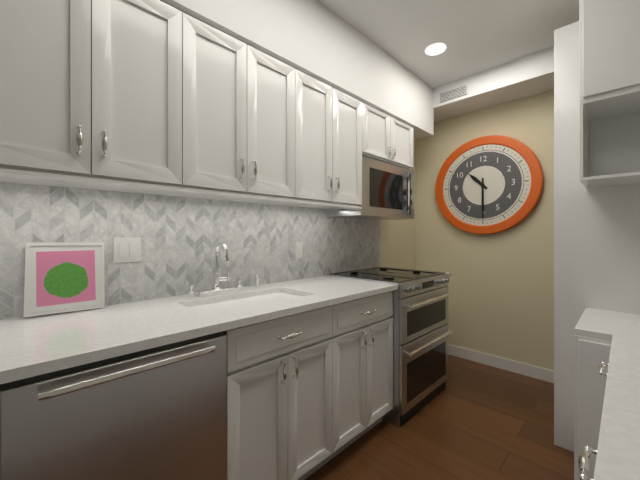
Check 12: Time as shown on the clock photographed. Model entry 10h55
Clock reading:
10h30
